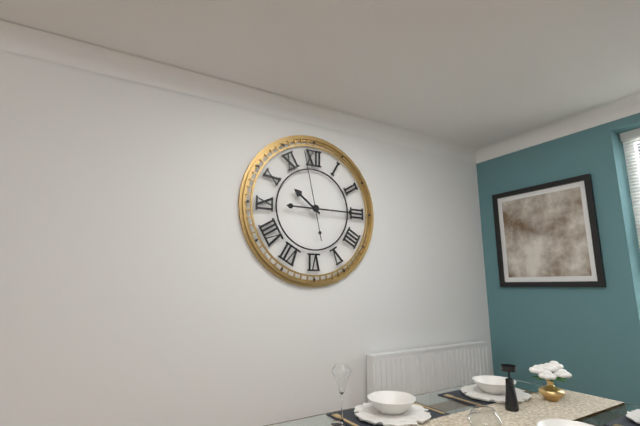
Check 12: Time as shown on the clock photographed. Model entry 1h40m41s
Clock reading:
10h15m58s
